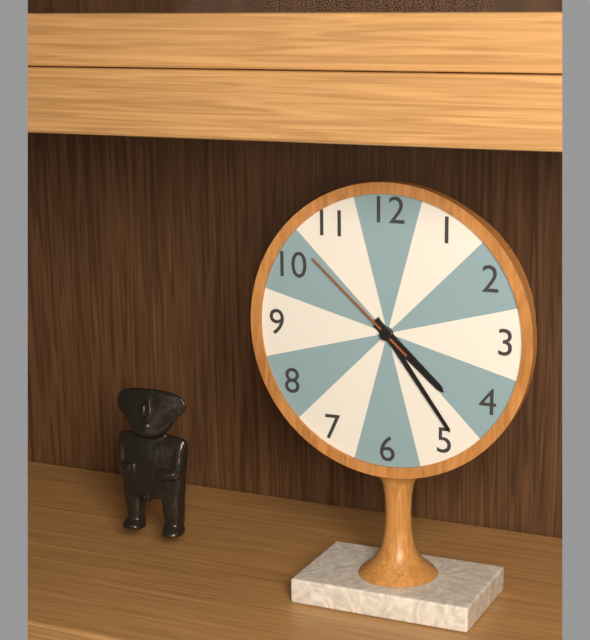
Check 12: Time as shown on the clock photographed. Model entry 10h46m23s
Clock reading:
4h24m52s
